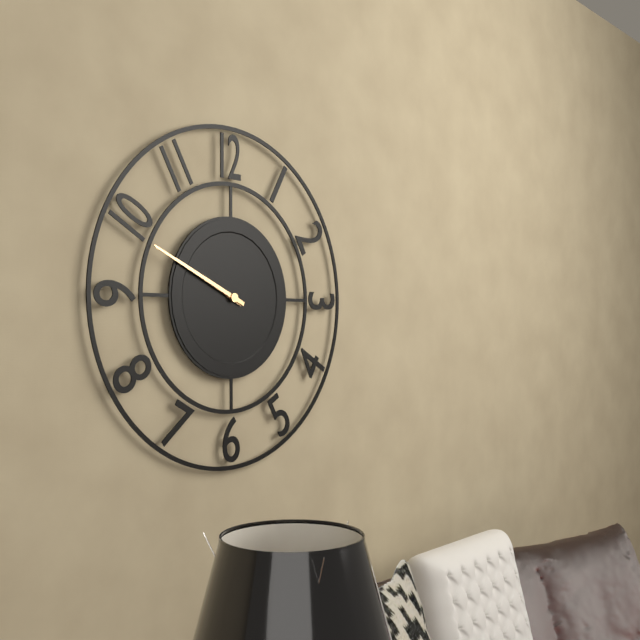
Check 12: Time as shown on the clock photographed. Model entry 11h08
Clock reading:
9h49
